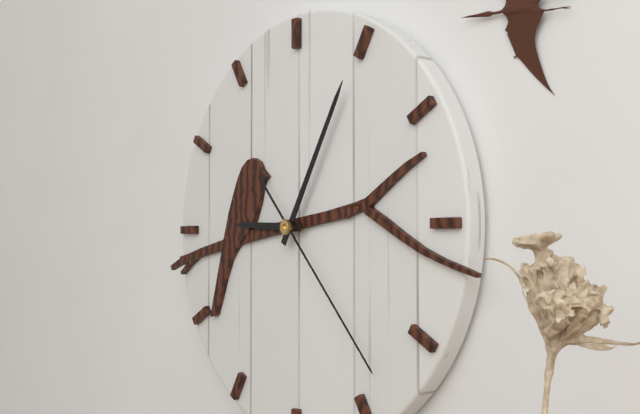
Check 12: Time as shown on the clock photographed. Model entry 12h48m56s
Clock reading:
9h05m23s
